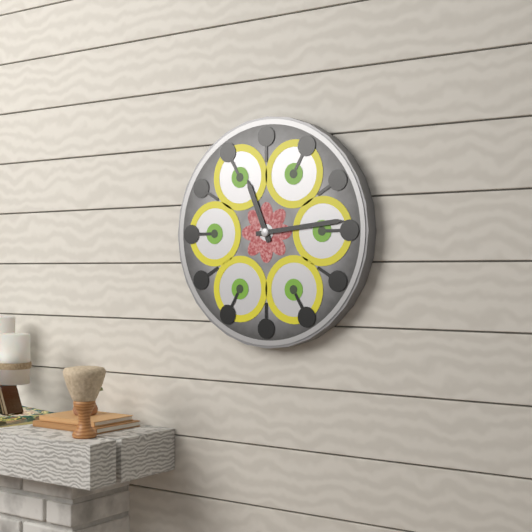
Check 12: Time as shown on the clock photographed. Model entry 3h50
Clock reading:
11h14
